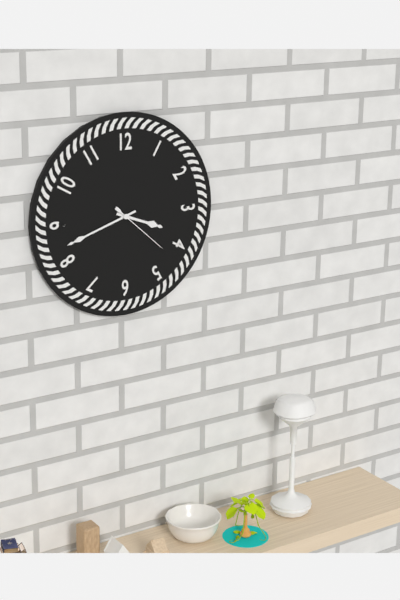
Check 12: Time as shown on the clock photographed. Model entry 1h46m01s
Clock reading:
3h42m22s
